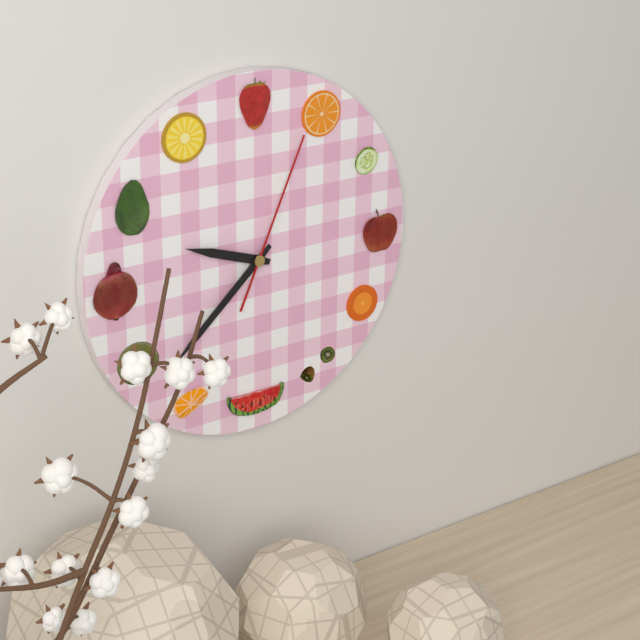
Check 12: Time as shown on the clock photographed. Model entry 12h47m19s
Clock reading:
9h38m04s
